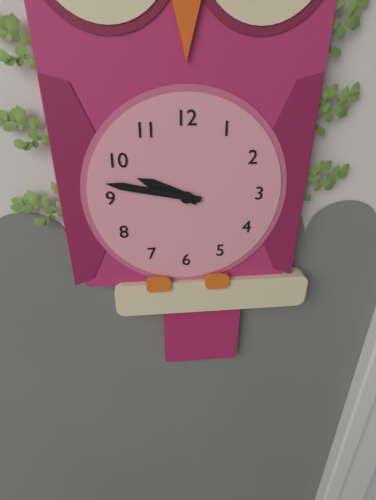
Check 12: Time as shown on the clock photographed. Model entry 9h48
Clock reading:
9h47
